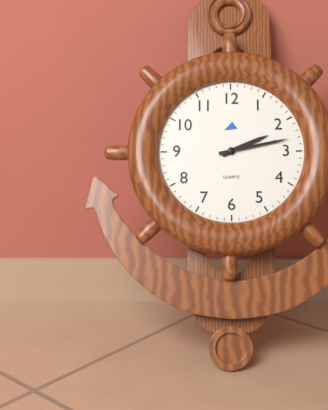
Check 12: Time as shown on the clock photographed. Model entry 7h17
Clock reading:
2h13
